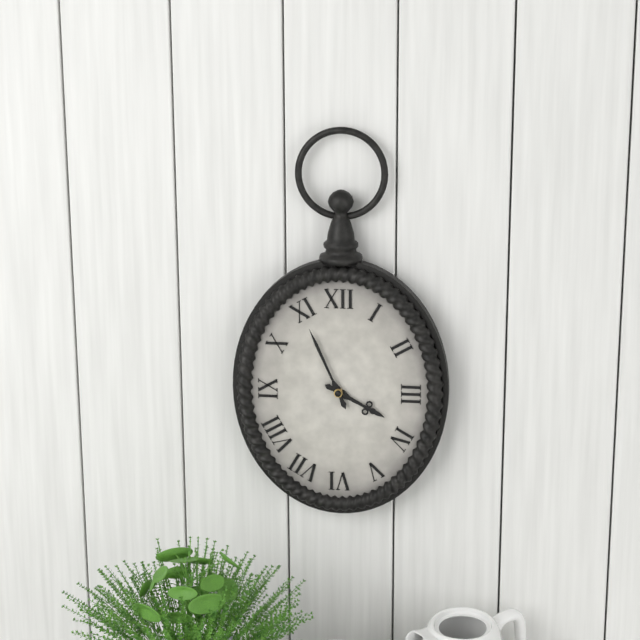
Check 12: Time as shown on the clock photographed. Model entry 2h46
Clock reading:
3h56
